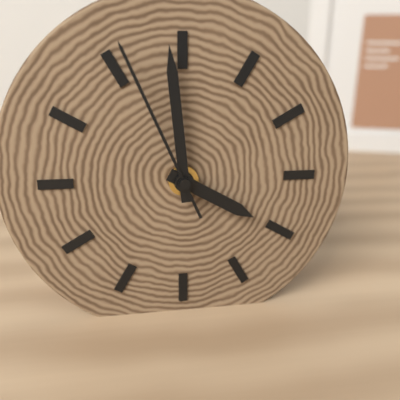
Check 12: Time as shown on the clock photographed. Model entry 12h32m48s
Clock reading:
3h59m56s
